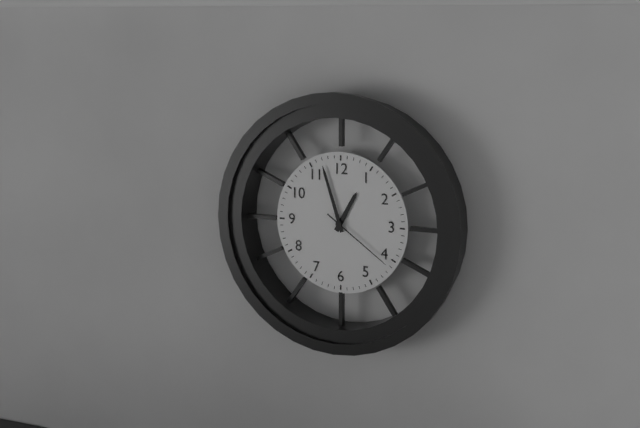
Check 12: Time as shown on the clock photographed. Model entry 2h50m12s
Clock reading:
12h57m21s
